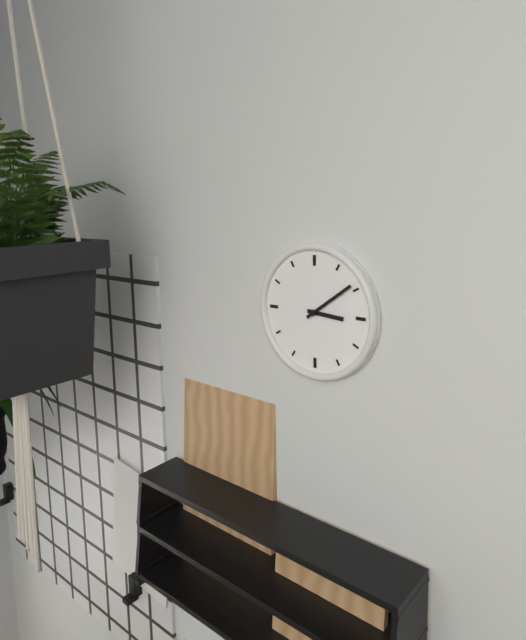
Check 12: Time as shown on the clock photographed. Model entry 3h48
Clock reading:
3h09
